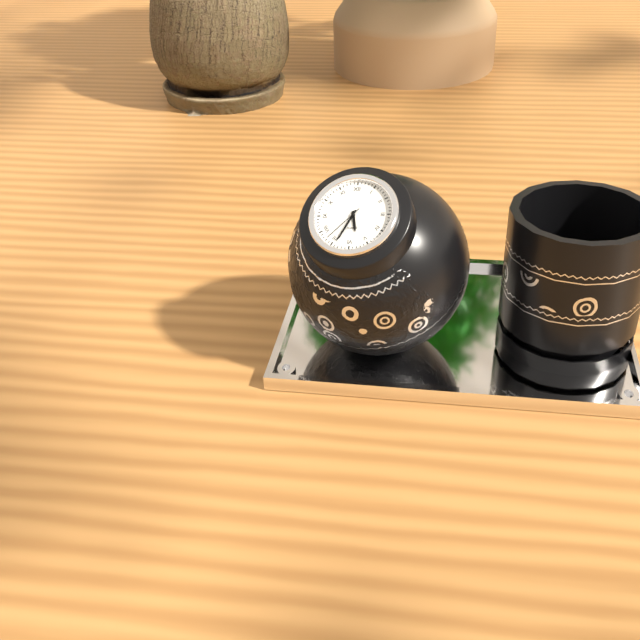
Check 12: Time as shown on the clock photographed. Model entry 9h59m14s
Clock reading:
5h34m37s
